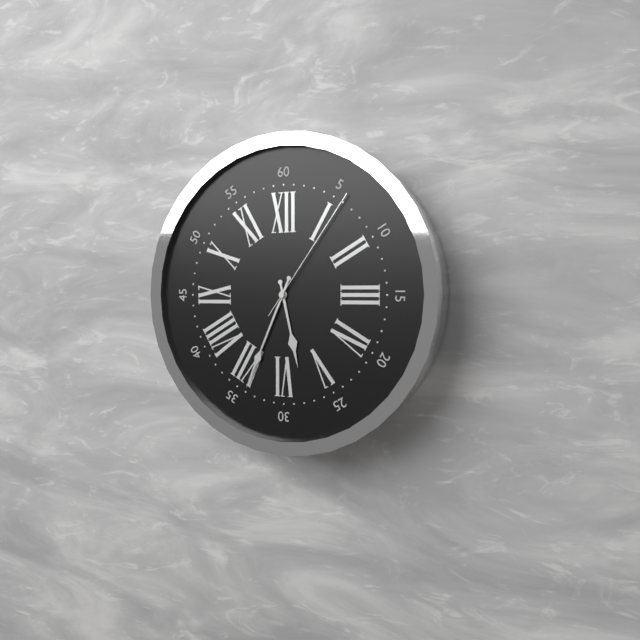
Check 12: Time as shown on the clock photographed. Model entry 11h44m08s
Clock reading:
5h34m06s
